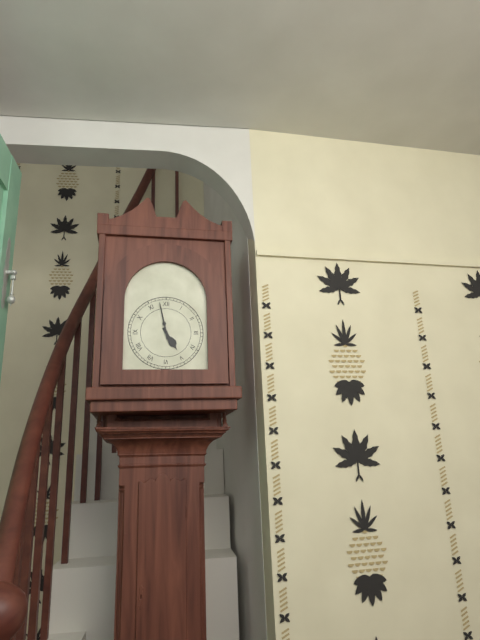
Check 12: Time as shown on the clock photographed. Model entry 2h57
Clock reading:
4h58
